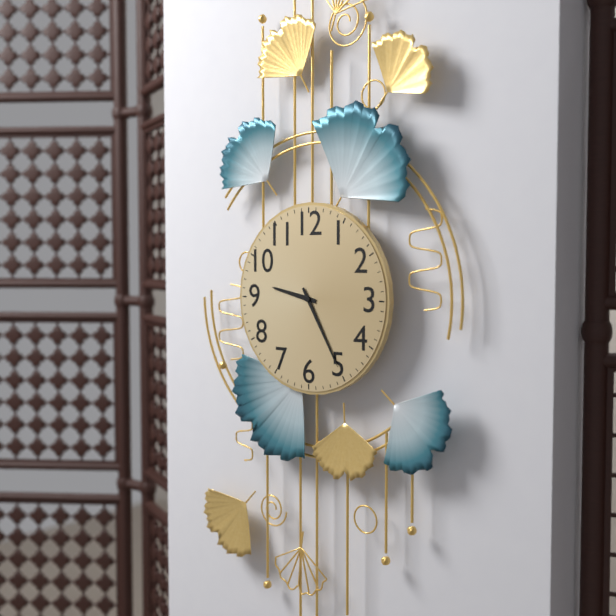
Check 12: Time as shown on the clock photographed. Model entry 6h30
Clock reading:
9h25
